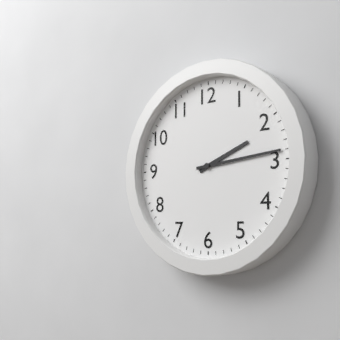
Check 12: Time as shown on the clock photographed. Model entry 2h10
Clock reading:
2h14
